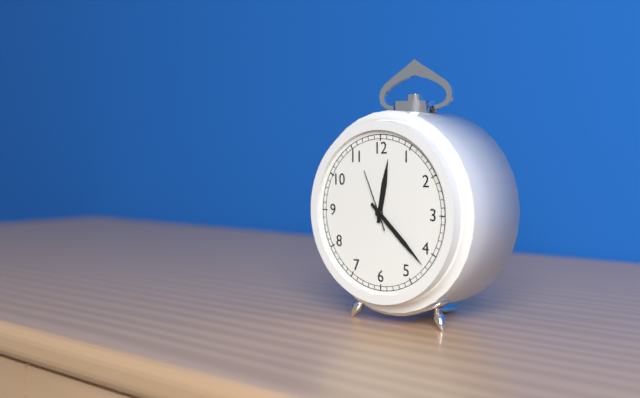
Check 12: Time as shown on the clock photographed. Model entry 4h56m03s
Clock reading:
12h22m56s
